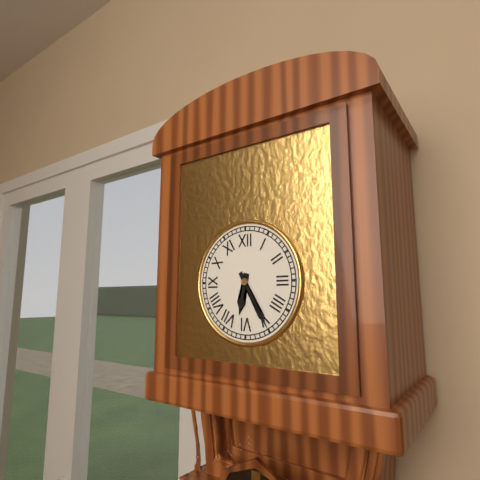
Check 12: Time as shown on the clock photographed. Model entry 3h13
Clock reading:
6h25
